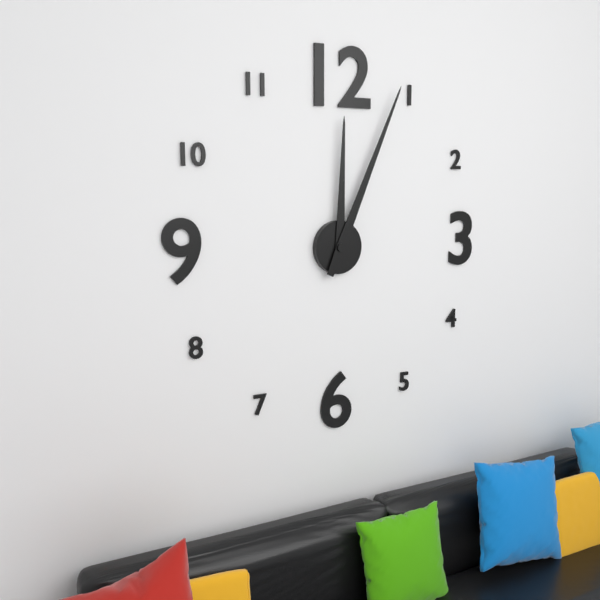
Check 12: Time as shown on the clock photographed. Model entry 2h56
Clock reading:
12h04
